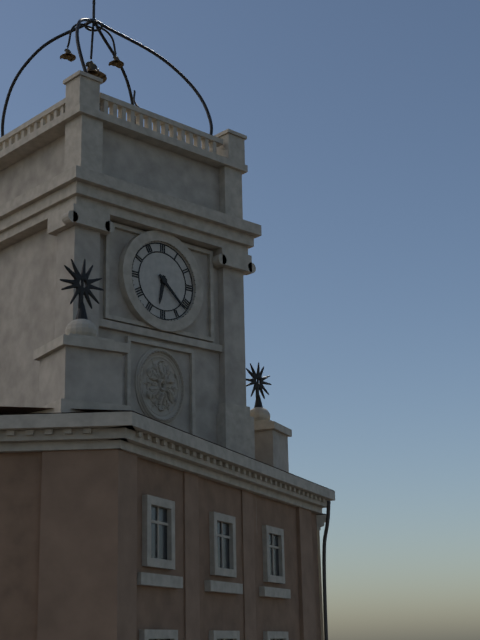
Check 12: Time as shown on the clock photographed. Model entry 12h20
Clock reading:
6h22
